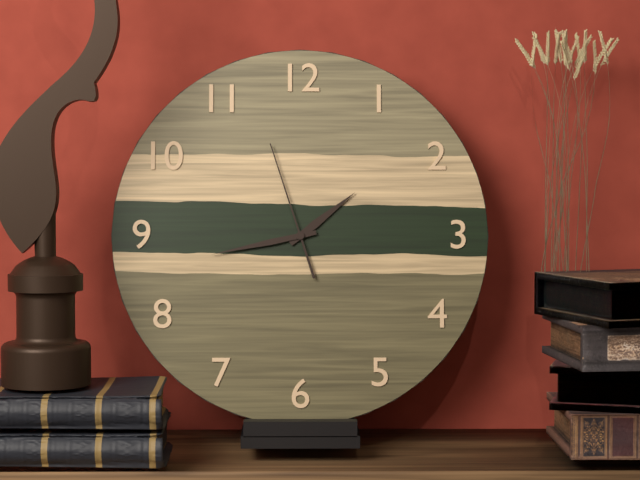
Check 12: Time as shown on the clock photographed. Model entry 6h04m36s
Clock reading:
1h43m57s
